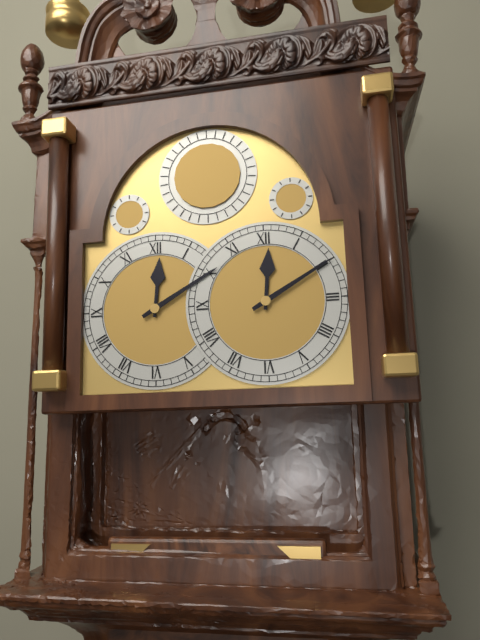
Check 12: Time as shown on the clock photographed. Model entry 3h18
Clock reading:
12h10
